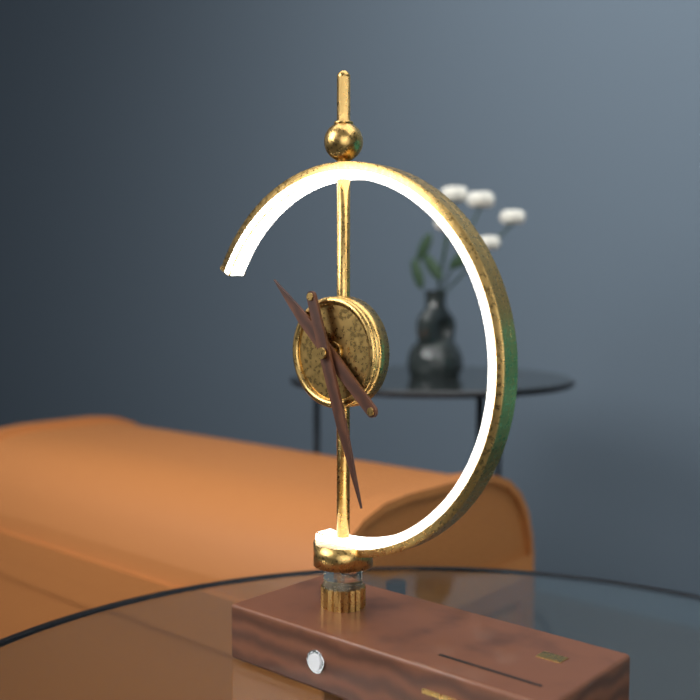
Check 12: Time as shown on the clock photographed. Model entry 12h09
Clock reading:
10h27
